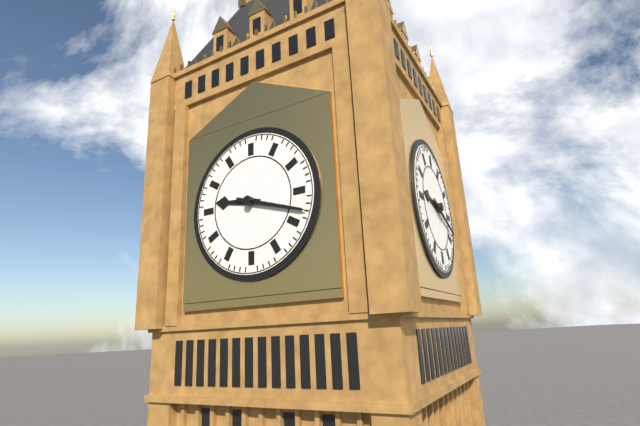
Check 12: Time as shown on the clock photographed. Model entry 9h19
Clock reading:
9h18
